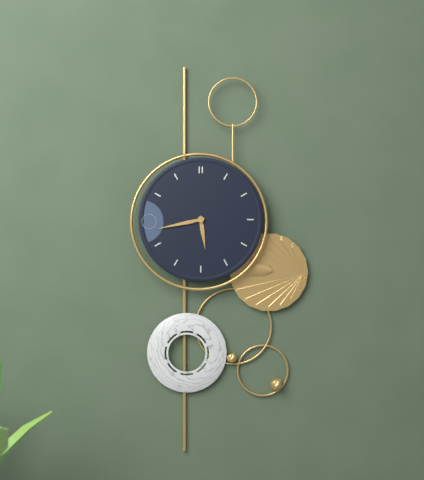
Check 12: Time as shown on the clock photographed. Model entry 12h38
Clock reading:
5h43
